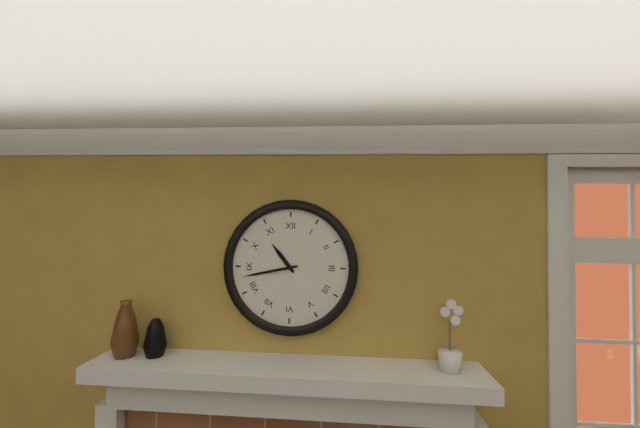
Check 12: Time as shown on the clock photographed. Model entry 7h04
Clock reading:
10h43
